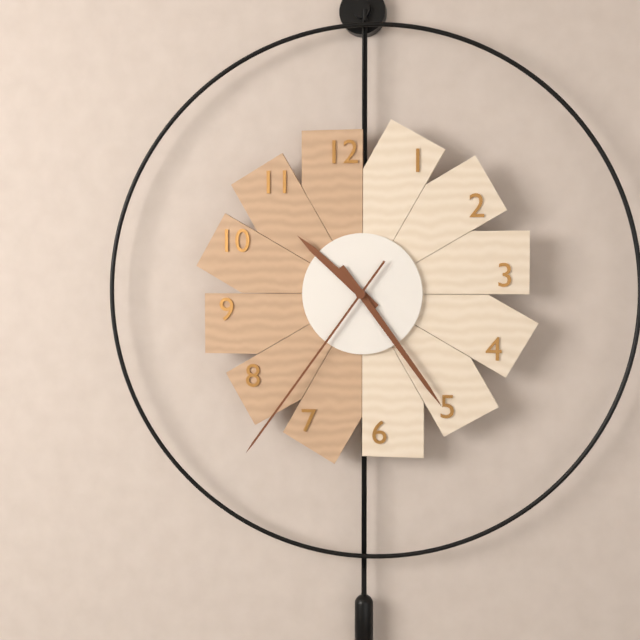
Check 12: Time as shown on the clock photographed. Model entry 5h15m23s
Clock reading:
10h24m36s
